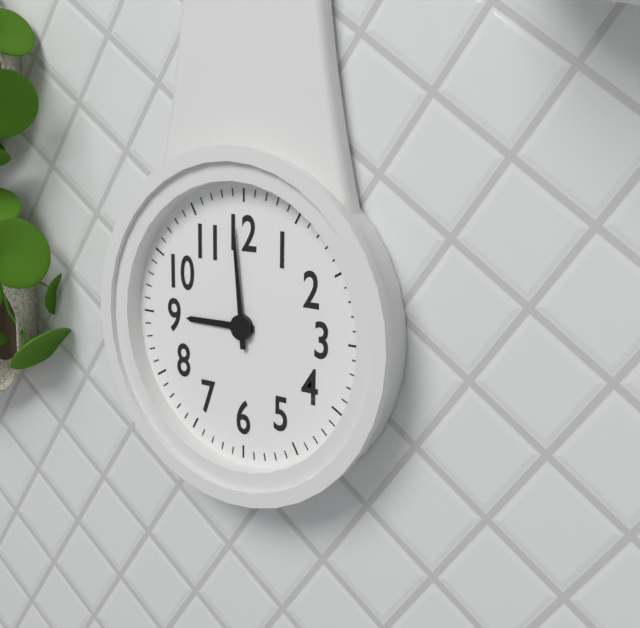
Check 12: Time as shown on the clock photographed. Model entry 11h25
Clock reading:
8h59
